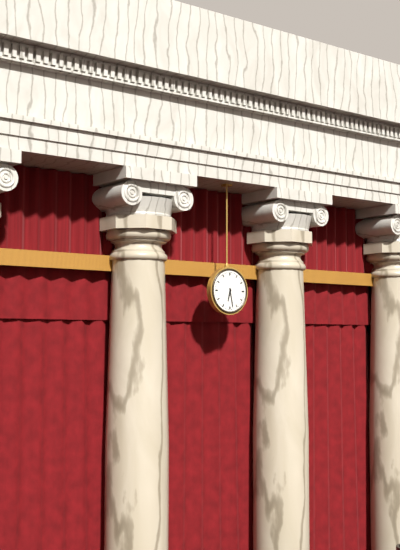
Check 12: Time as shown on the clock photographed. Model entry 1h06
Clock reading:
6h28
